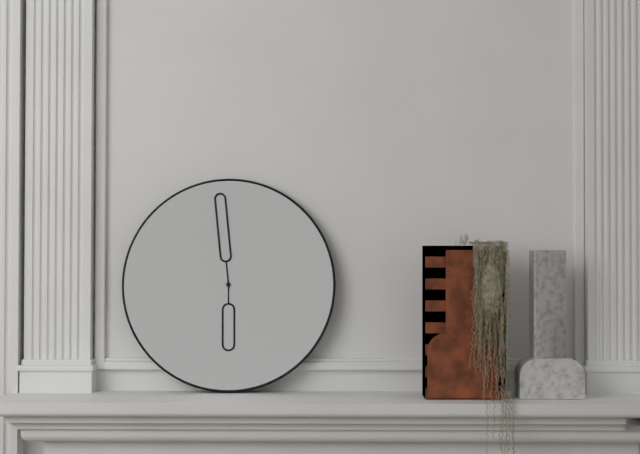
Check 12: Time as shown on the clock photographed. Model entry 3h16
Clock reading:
5h59
